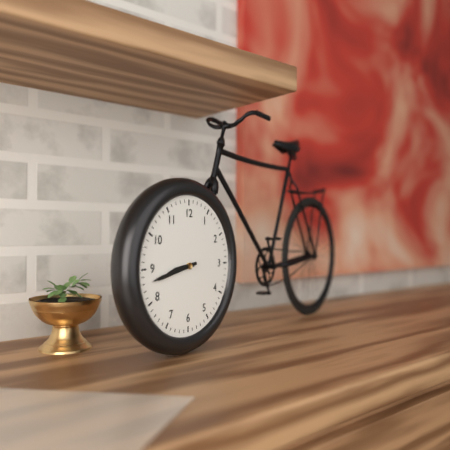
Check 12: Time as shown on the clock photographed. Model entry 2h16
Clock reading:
8h43
